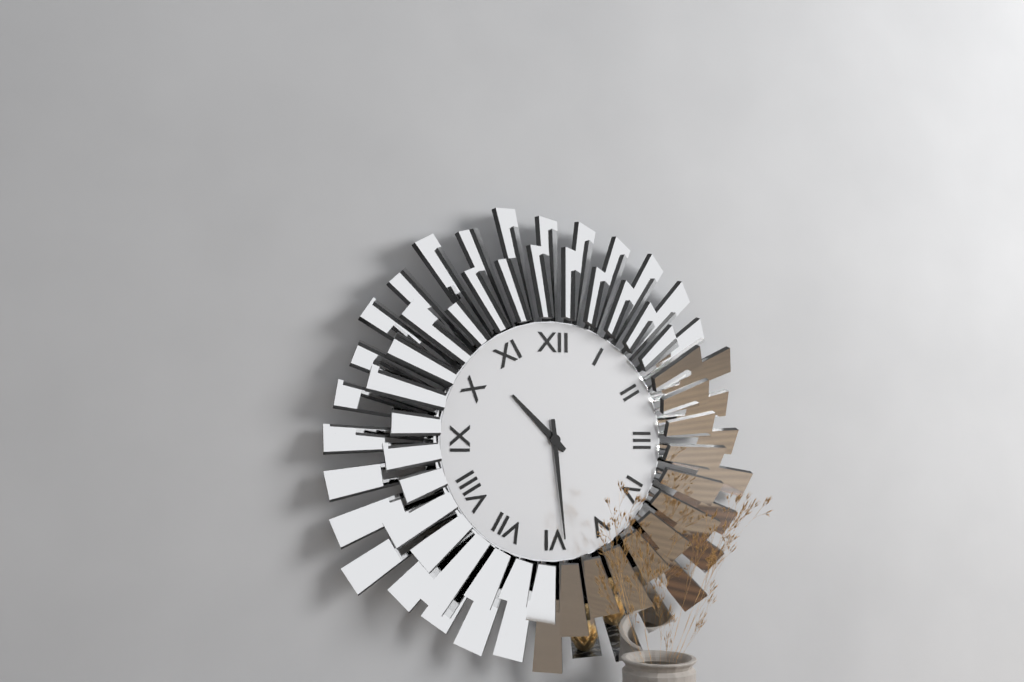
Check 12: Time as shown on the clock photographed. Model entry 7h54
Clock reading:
10h29
